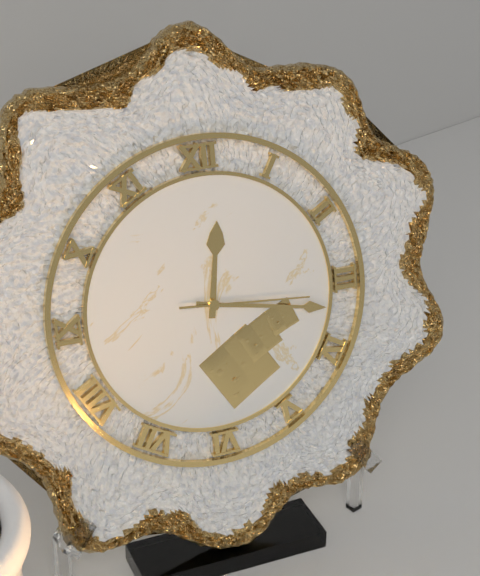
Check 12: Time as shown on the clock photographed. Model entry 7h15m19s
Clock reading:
12h17m16s
